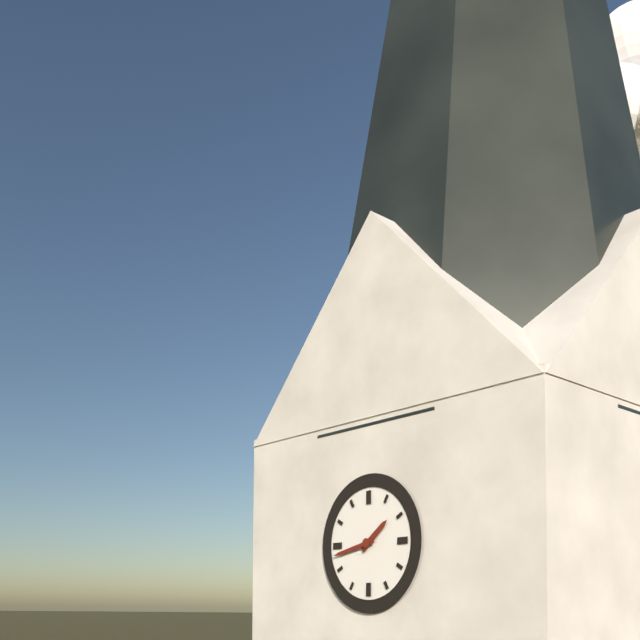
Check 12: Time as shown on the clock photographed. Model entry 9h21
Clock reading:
1h43
